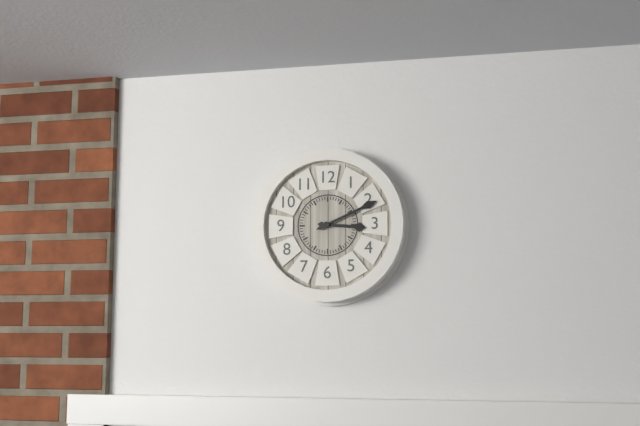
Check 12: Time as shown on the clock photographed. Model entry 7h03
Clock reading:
3h11
